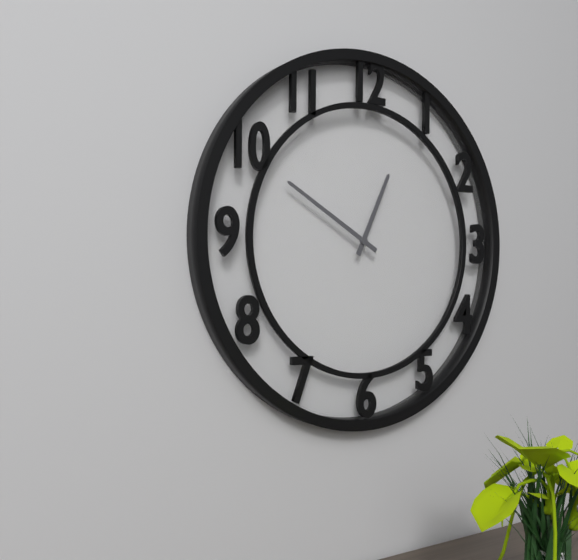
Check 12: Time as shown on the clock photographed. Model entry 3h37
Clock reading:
12h50
